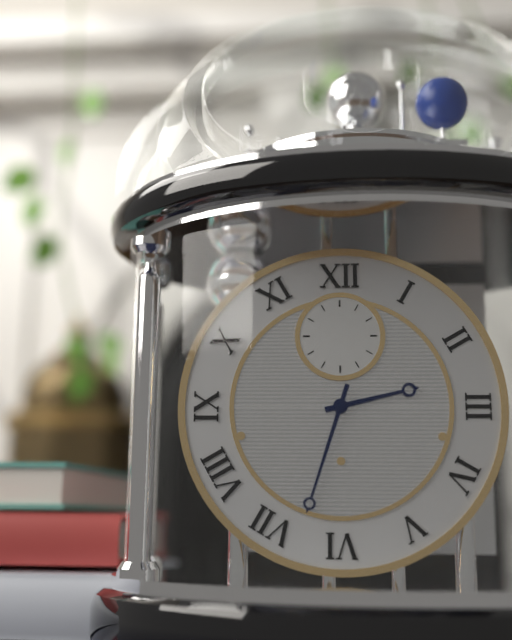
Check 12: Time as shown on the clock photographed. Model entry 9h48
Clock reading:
2h33
